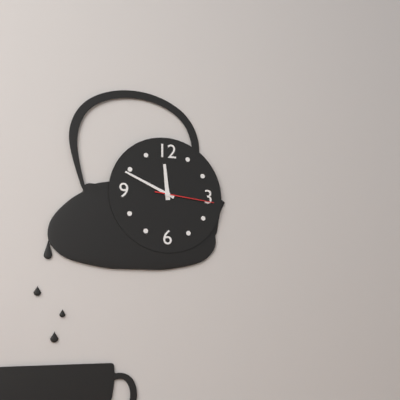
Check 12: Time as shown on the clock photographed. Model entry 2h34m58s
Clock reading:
11h49m16s
